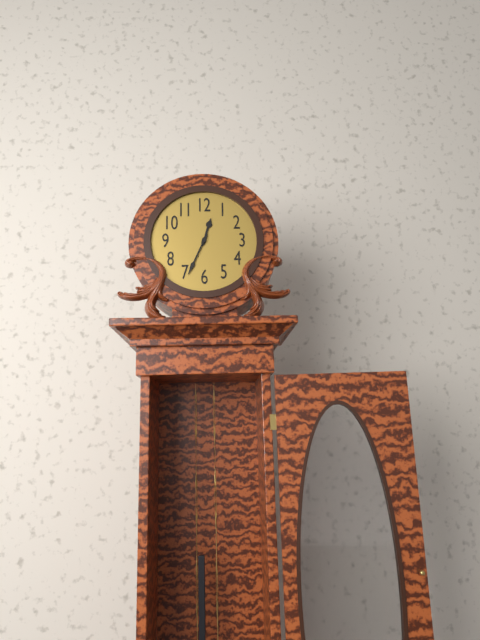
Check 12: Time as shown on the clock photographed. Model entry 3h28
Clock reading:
12h34
